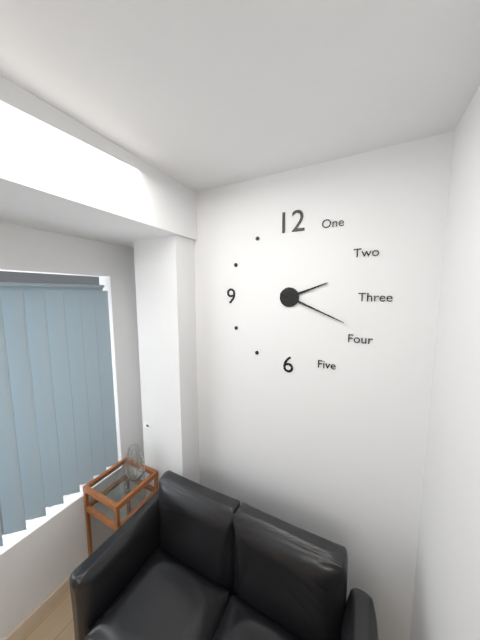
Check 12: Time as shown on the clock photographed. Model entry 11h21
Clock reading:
2h19
